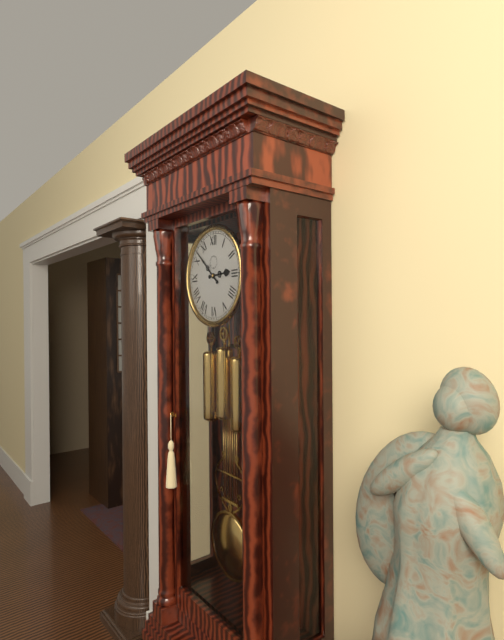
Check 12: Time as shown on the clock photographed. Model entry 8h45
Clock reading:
2h52
